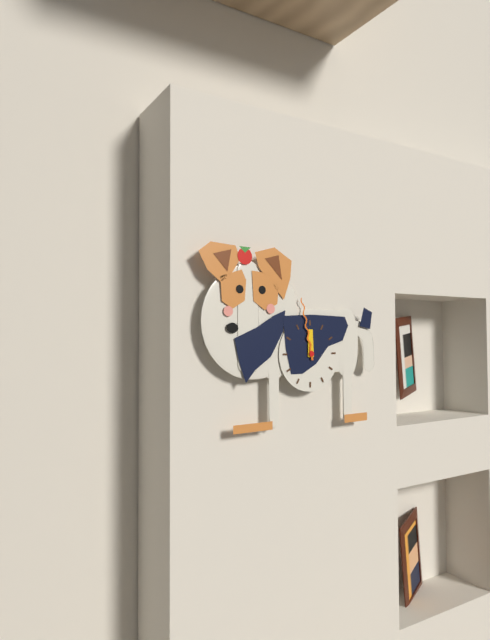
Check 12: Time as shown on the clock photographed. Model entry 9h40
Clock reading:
11h58
